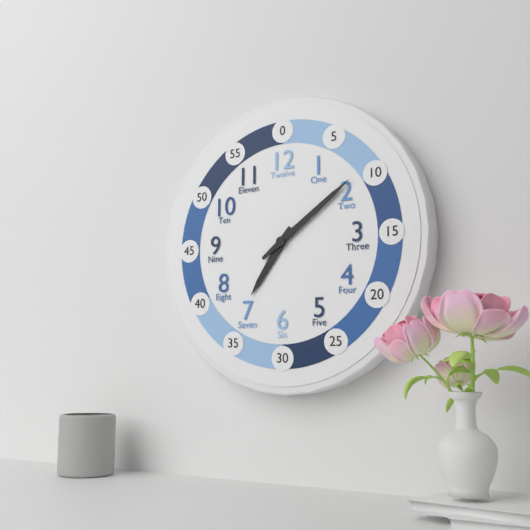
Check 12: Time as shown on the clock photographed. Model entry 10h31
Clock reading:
7h09
